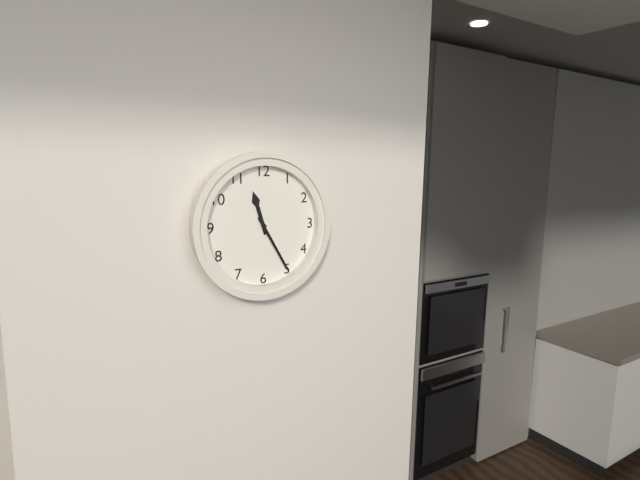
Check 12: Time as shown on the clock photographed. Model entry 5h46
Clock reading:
11h25
